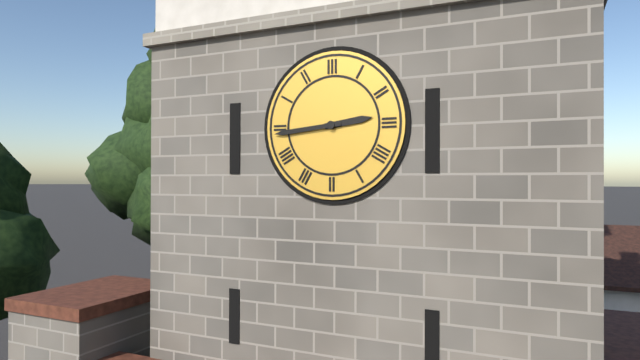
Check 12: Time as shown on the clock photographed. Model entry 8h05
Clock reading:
2h44
